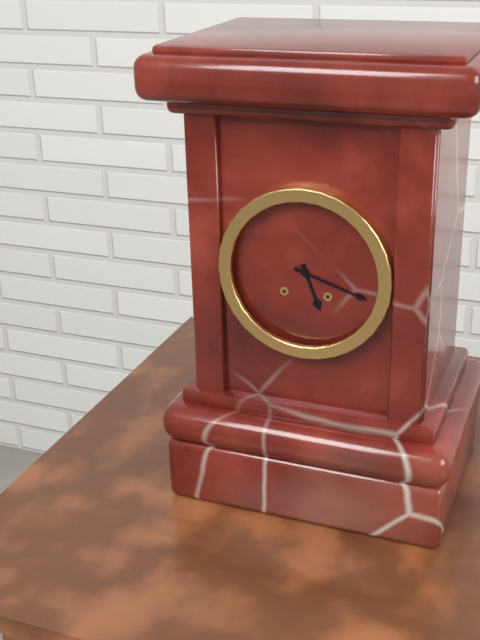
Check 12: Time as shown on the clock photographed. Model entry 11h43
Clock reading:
5h18
